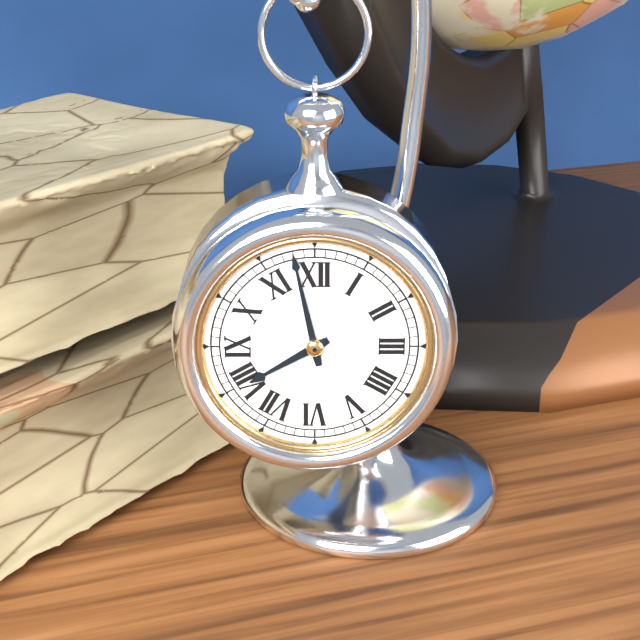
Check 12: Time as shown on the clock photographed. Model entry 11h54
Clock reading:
7h58
